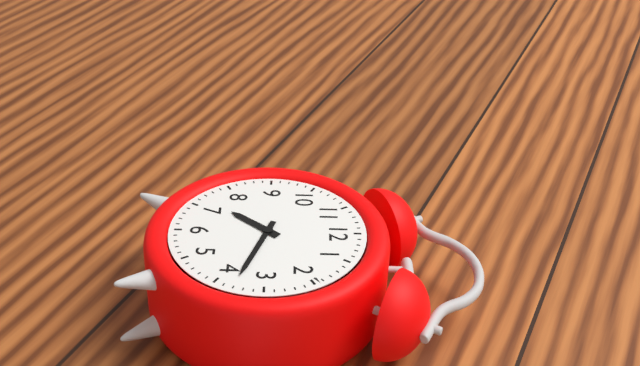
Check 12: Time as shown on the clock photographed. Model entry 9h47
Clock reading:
7h18
